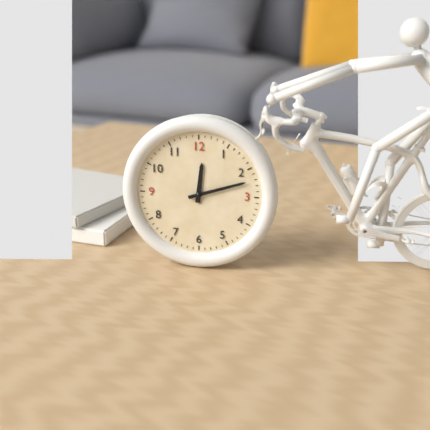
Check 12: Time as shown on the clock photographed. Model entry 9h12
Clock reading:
12h12
